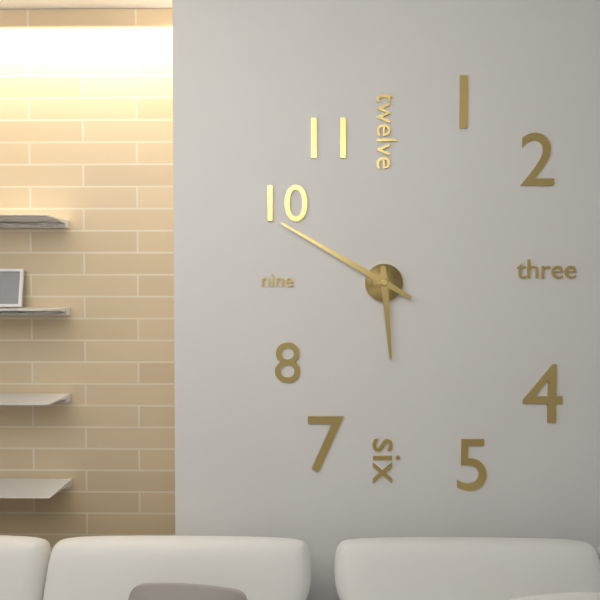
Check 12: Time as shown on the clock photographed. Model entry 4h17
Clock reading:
5h50
